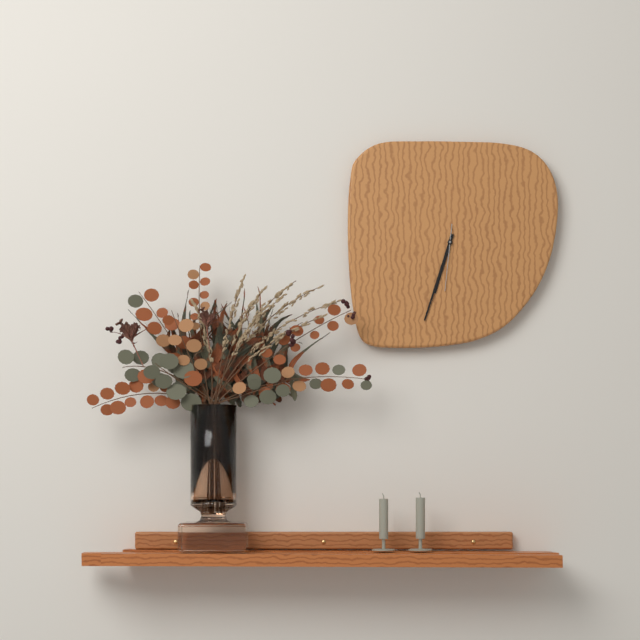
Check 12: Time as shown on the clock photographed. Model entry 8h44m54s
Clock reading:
6h33m31s
